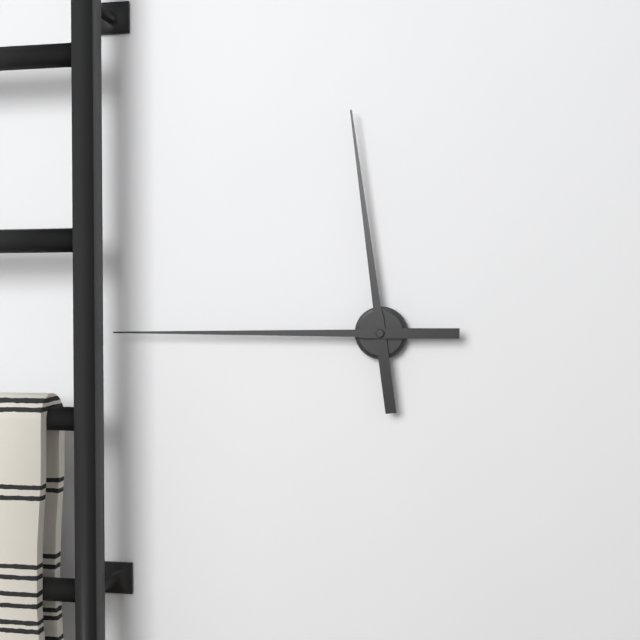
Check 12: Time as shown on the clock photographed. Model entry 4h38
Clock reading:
11h45
